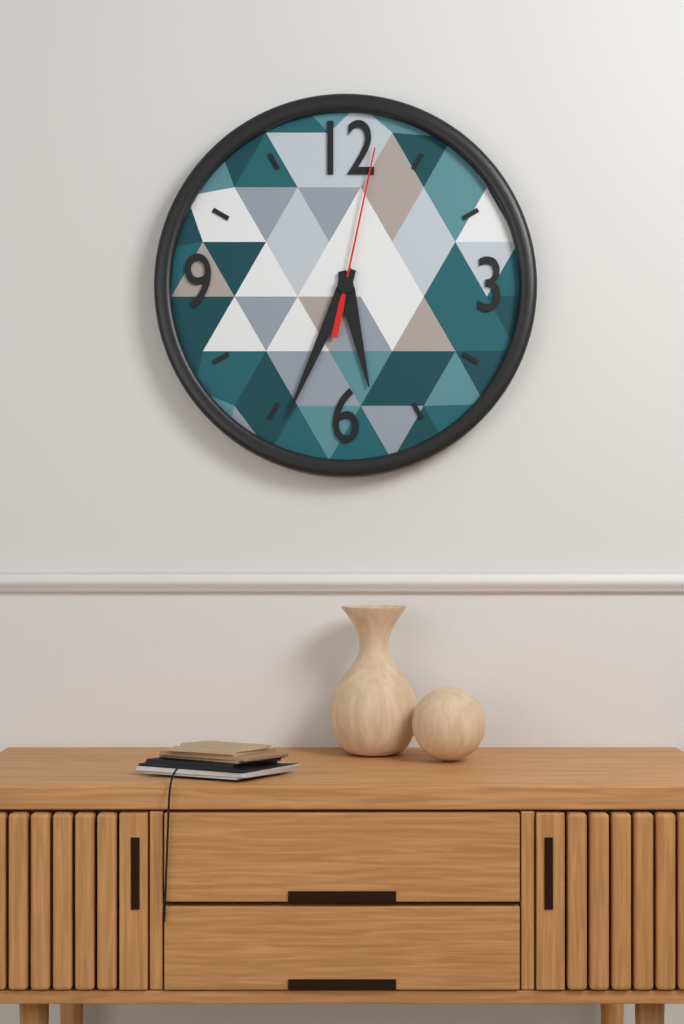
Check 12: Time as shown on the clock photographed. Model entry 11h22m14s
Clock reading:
5h34m02s
